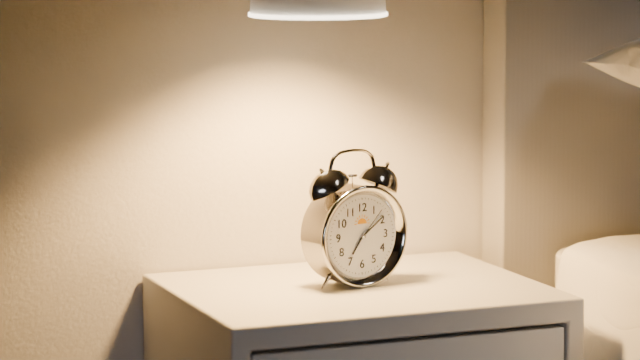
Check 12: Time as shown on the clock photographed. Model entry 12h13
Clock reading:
7h09
